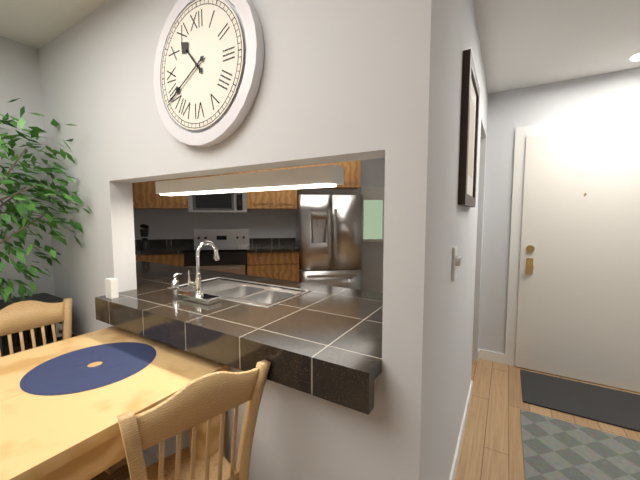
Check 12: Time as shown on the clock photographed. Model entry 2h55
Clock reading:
10h40
